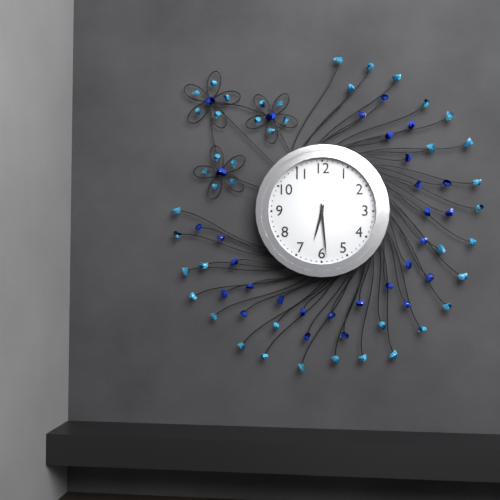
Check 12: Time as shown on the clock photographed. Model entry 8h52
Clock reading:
6h29
